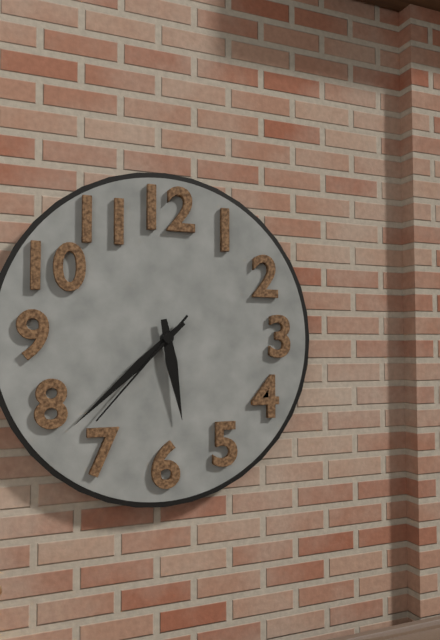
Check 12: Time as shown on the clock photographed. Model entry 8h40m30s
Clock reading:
5h38m37s
